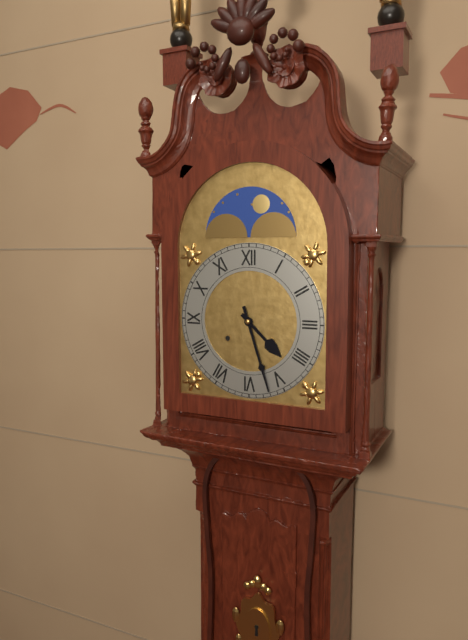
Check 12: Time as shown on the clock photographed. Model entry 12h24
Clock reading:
4h27
